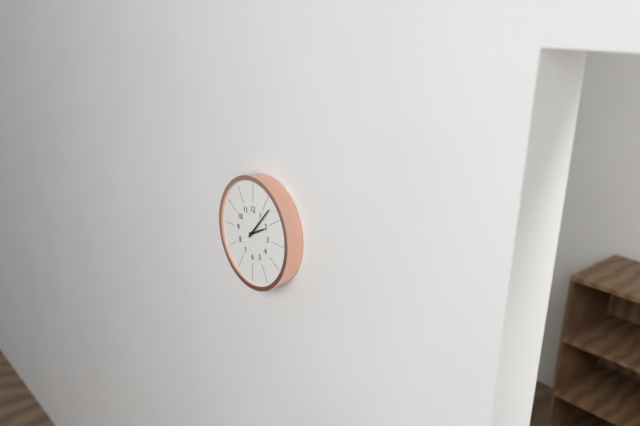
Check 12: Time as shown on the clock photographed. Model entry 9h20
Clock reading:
2h07
